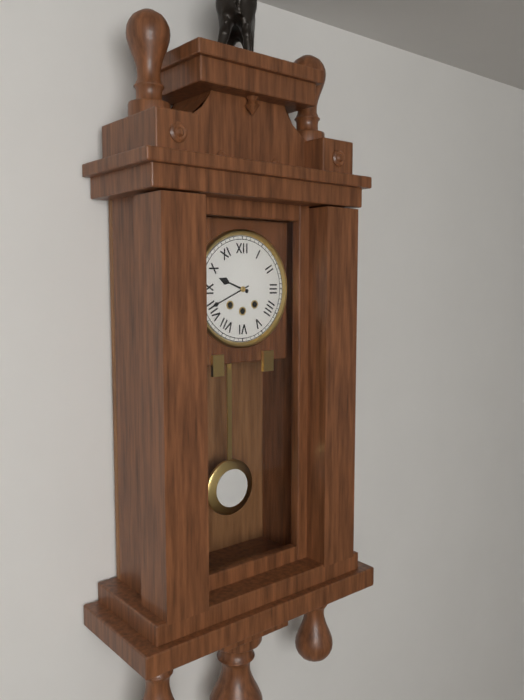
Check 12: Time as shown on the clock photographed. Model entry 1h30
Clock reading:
9h41
